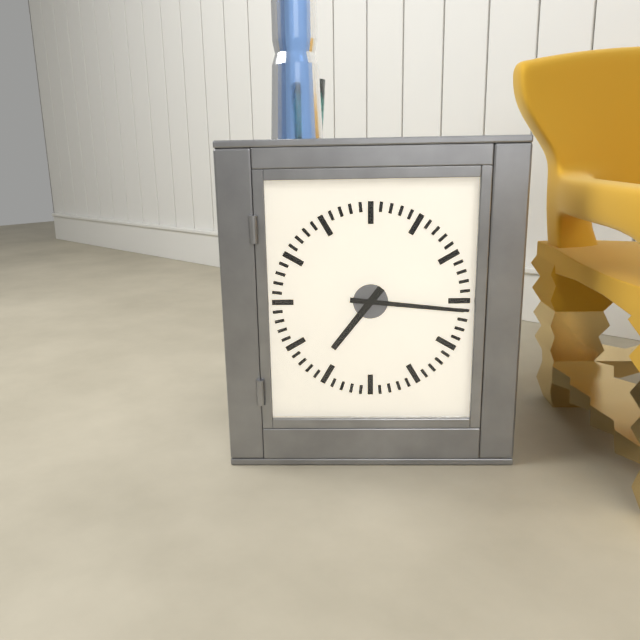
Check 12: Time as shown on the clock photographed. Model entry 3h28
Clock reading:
7h16
